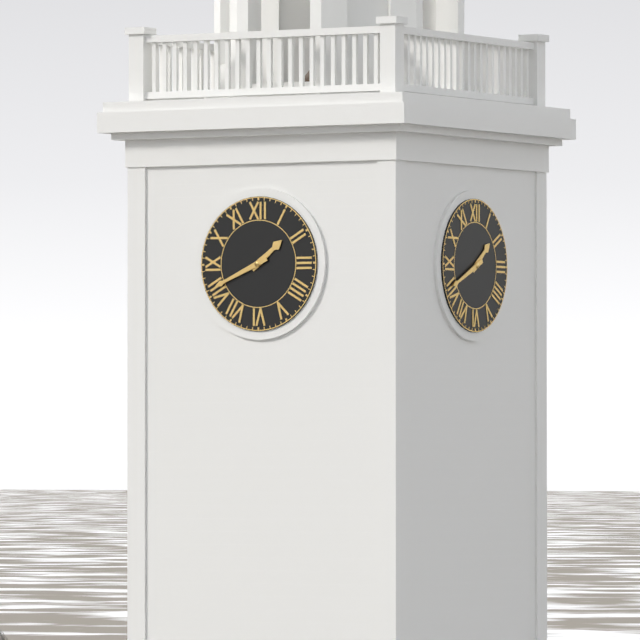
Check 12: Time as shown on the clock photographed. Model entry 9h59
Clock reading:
1h41
